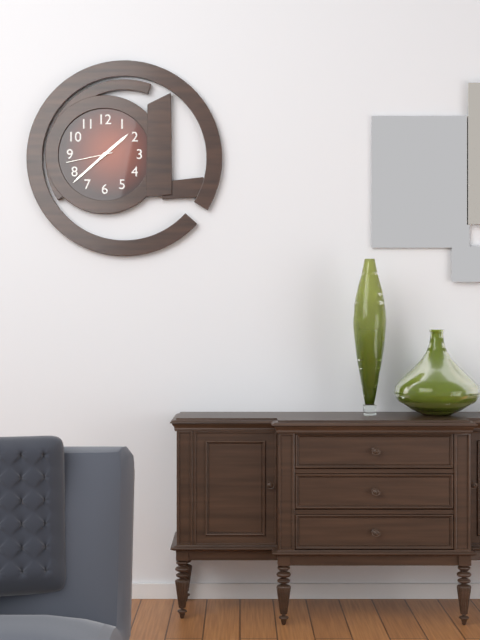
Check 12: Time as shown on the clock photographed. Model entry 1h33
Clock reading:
1h38
